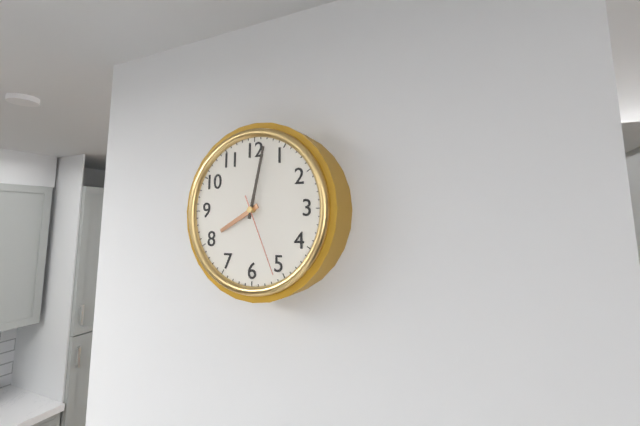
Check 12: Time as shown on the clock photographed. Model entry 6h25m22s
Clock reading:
8h02m26s
